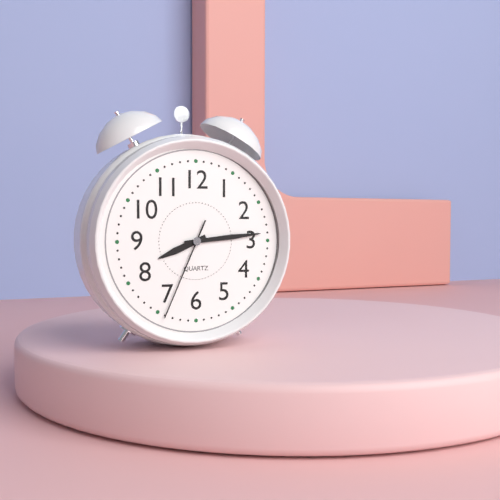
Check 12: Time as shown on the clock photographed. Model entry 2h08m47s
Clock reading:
8h14m34s
